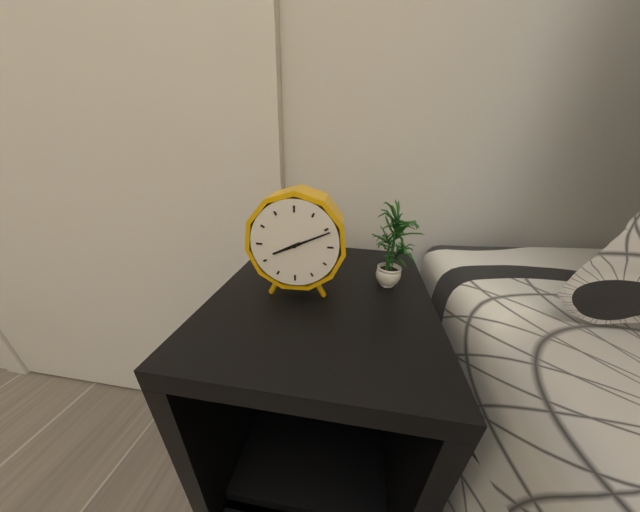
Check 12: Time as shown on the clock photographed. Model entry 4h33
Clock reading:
8h11
